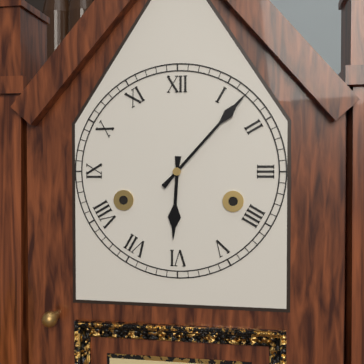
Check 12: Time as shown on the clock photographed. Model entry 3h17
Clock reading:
6h07
